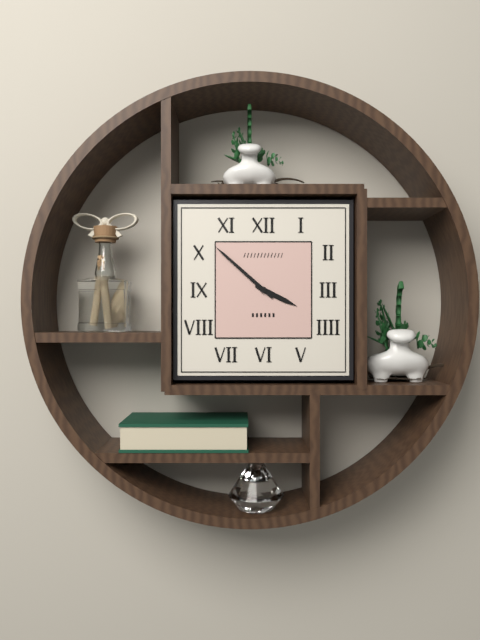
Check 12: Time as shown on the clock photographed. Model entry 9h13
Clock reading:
3h52
